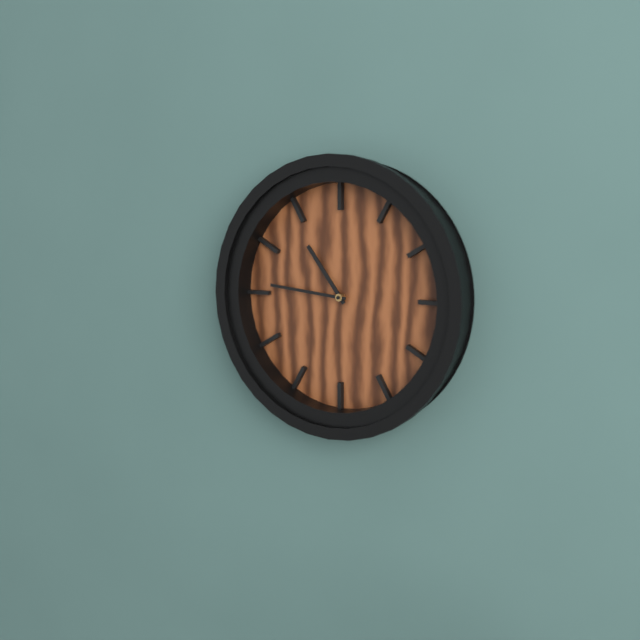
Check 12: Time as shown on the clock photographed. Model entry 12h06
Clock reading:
10h46
